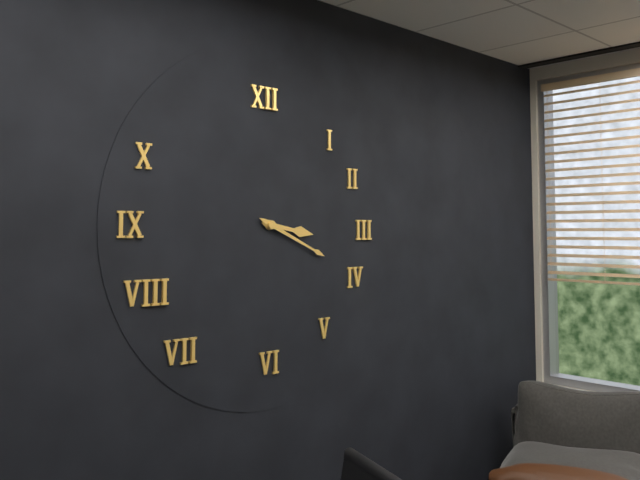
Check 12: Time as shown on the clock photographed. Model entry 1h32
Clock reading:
3h19
